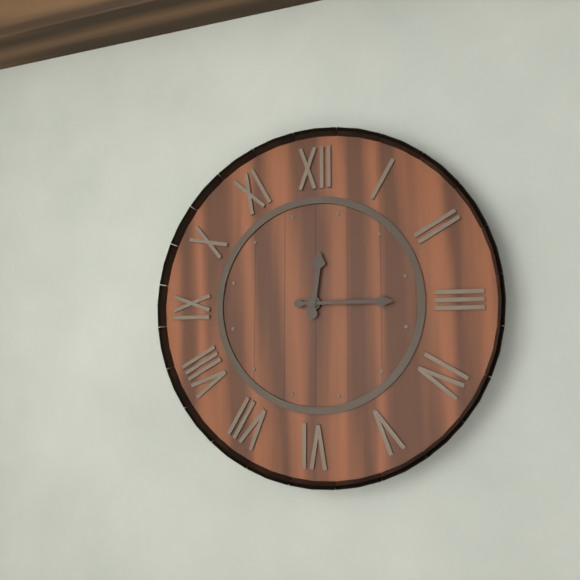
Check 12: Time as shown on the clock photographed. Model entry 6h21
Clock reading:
12h15
